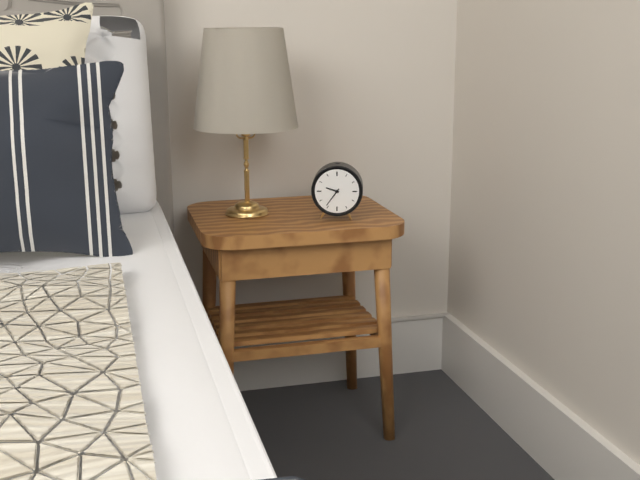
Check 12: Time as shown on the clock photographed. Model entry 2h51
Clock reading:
9h36
